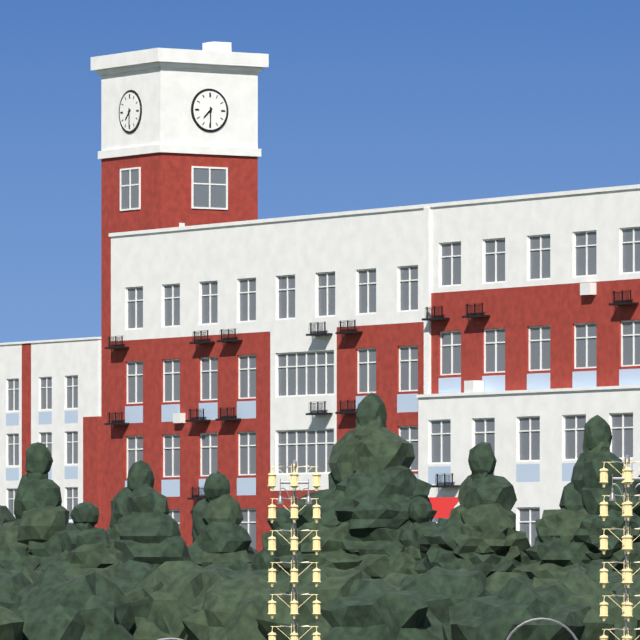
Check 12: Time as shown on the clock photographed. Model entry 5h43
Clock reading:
7h30
